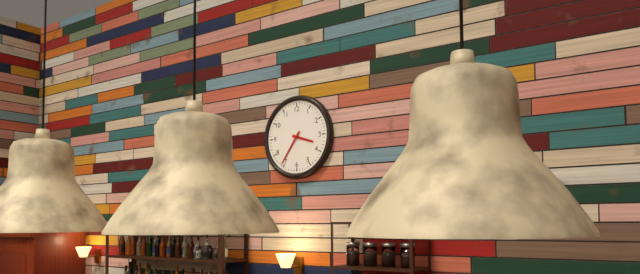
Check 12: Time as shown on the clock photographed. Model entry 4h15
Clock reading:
3h36
